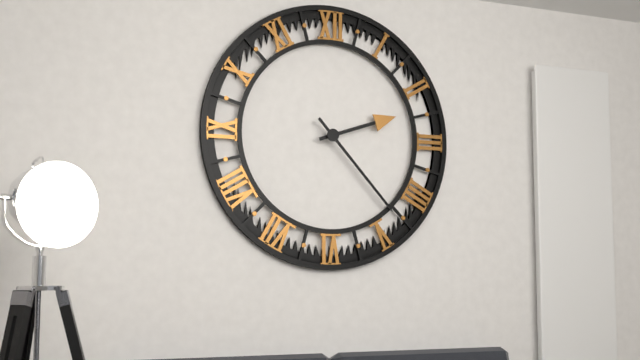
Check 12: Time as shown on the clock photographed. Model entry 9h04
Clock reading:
2h23
